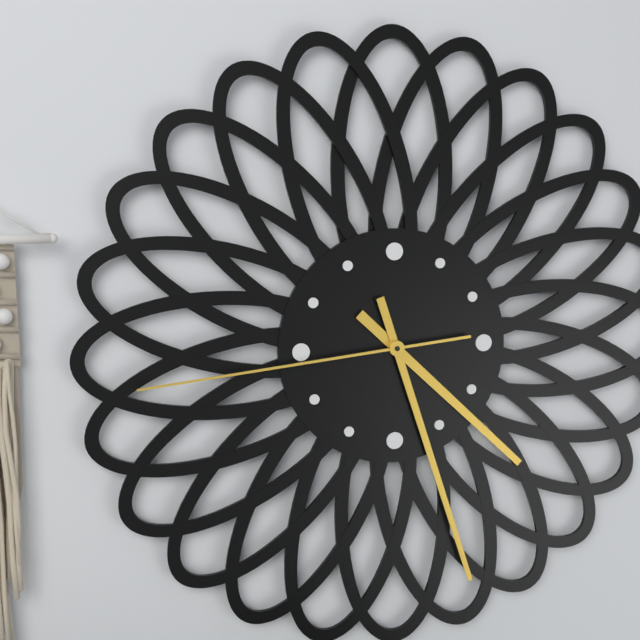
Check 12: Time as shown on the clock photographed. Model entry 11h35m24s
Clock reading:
4h27m44s
